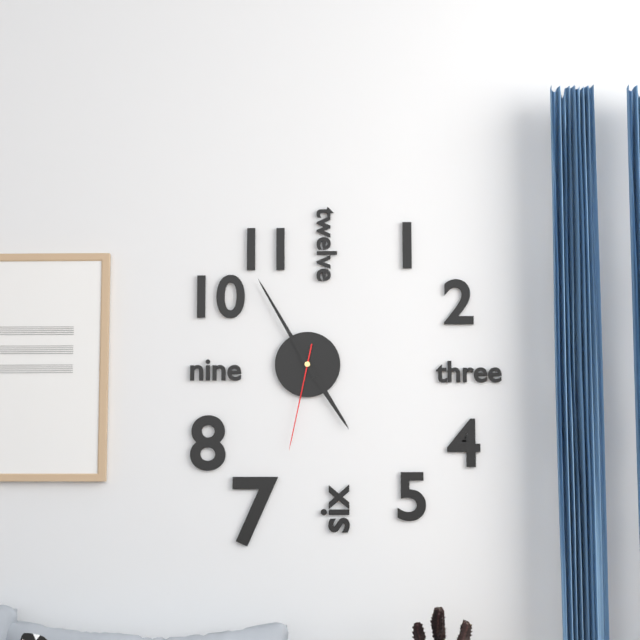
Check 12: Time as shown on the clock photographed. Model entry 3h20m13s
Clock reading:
4h55m32s
